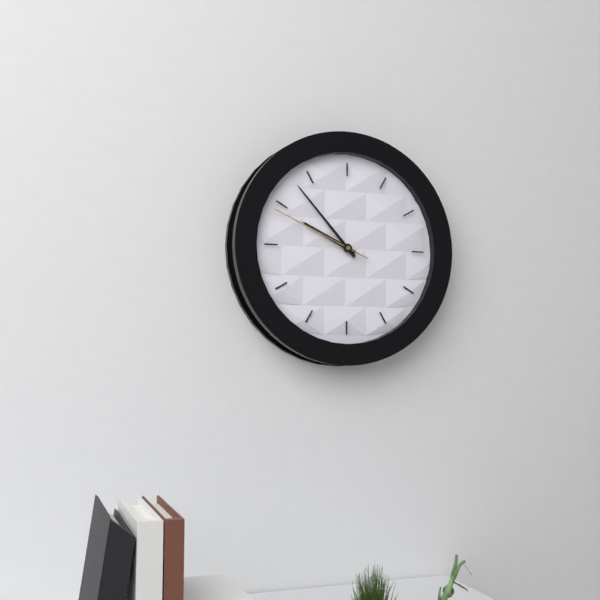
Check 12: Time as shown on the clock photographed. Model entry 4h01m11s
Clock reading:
9h53m49s
